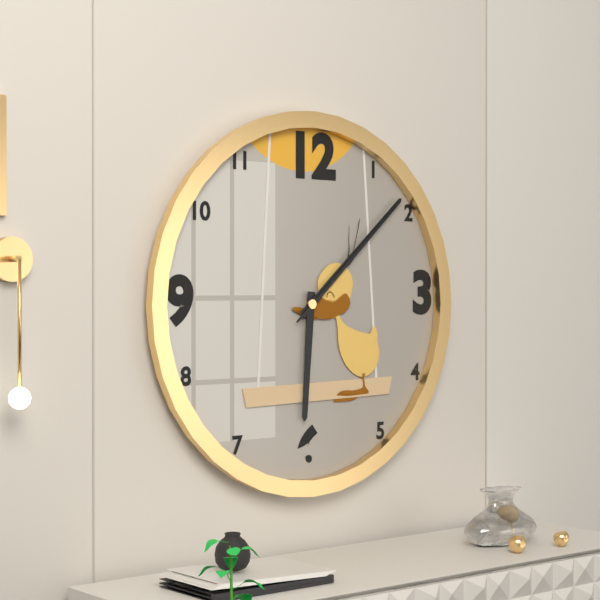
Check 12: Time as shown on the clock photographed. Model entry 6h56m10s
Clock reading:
6h08m08s
